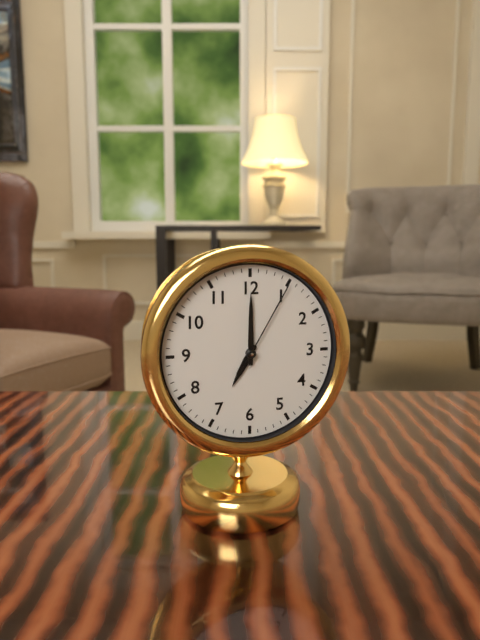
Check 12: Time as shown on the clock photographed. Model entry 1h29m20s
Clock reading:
7h00m05s
